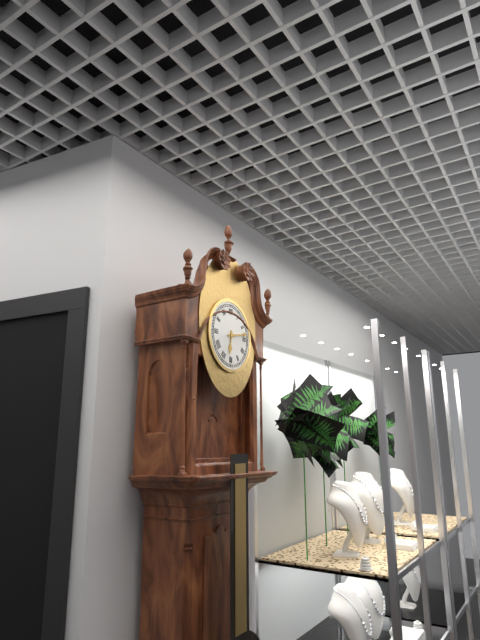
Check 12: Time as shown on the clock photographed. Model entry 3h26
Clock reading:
6h13
